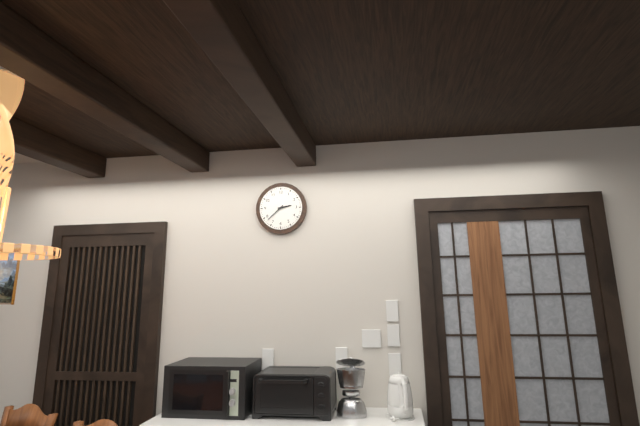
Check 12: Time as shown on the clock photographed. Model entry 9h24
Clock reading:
2h38
